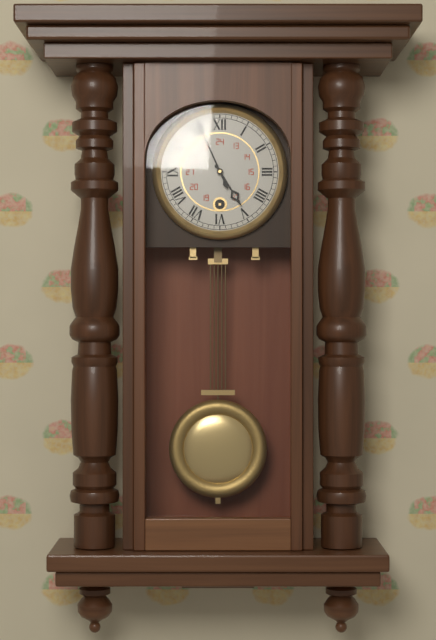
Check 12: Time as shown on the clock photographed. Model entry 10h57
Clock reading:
4h56
